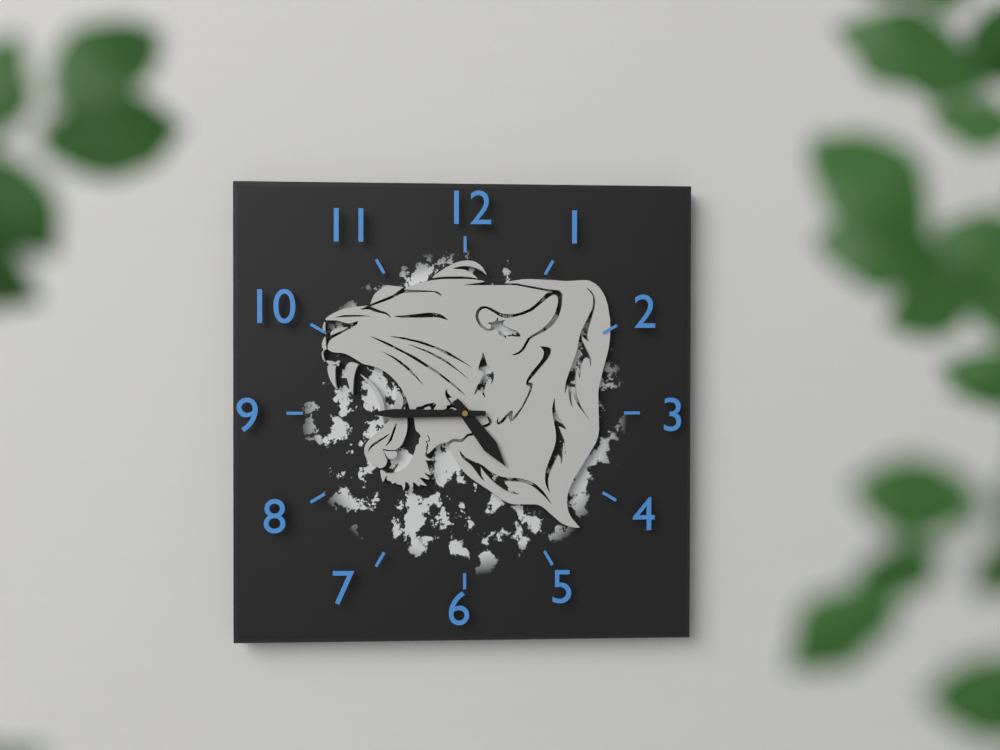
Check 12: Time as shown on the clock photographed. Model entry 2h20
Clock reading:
4h45
